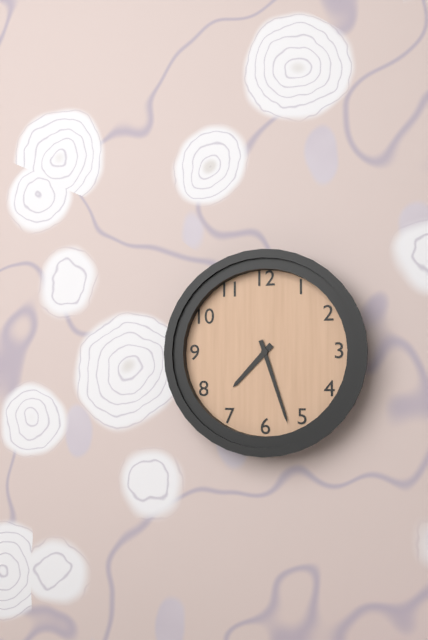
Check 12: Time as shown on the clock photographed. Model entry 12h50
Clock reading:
7h27
